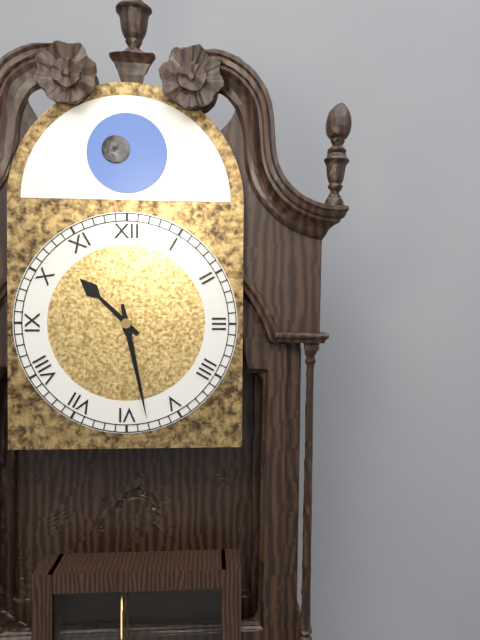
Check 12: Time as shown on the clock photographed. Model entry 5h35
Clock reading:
10h28
